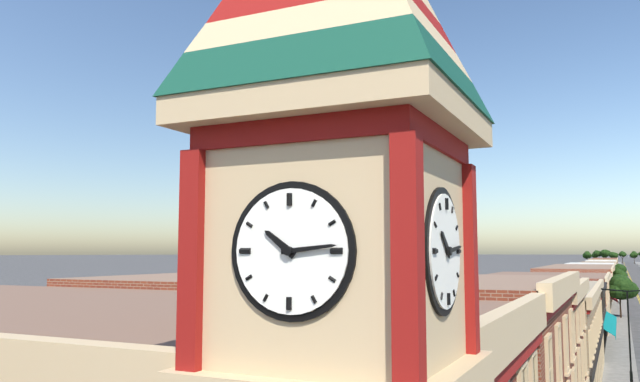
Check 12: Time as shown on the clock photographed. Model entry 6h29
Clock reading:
10h14
